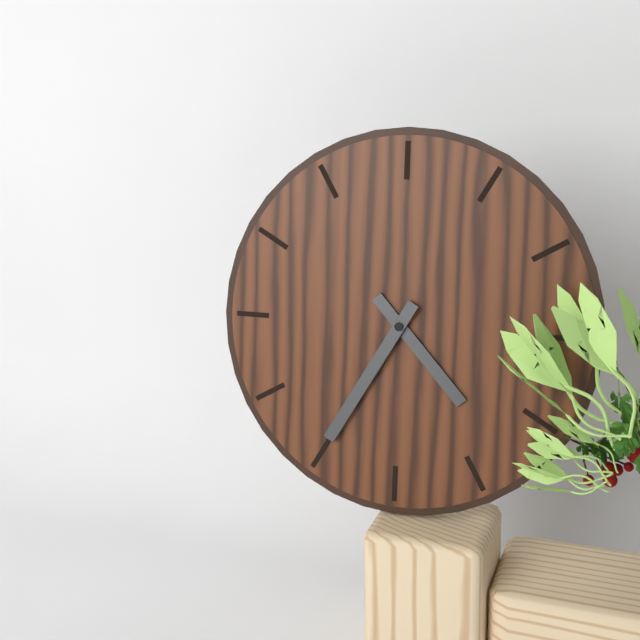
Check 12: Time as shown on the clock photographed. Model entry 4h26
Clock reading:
4h35
